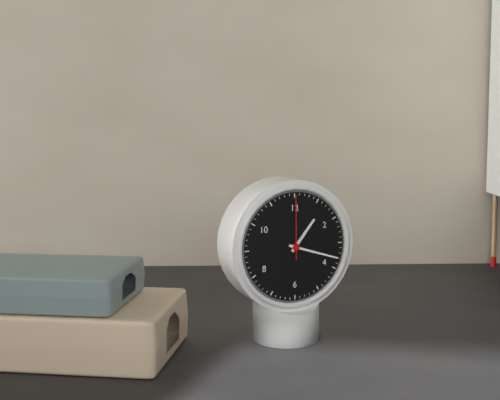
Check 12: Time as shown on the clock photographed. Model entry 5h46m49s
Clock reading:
1h18m00s
